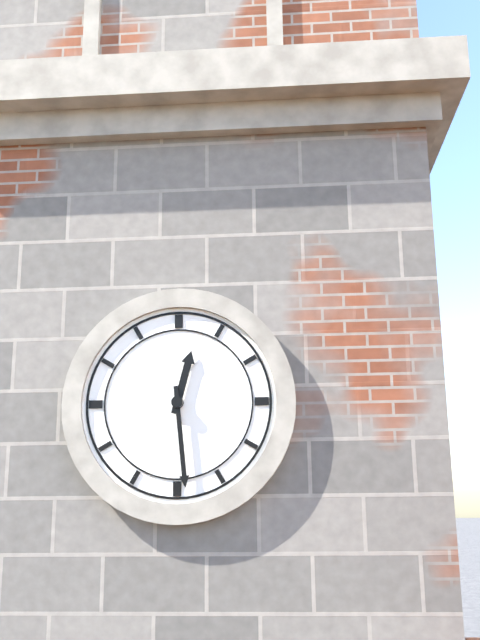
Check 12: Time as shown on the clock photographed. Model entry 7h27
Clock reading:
12h29
